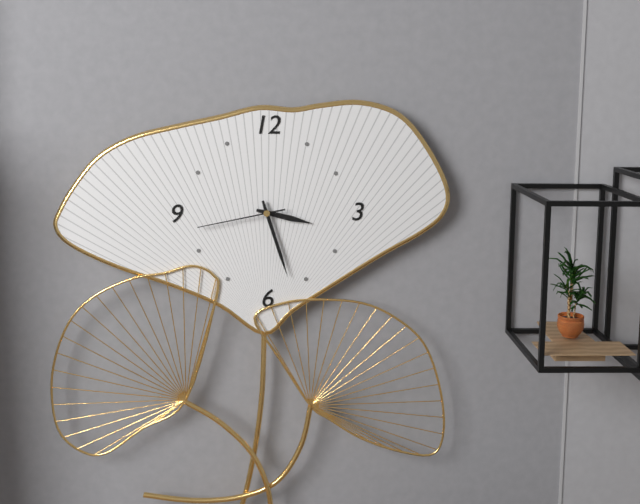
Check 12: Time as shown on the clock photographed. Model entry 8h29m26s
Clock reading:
3h27m43s
